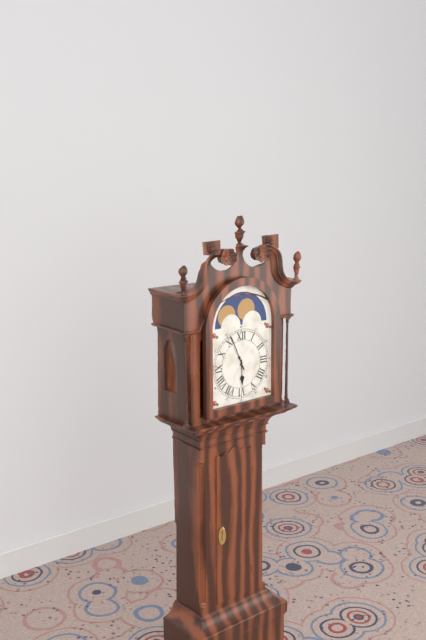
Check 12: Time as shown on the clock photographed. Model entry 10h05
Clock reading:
5h56
